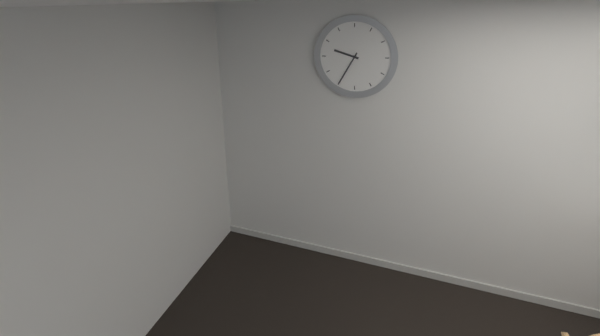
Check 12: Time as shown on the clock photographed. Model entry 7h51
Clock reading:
9h35
